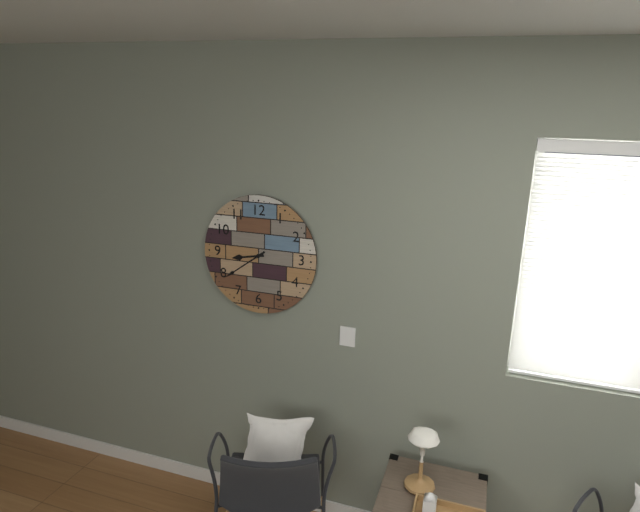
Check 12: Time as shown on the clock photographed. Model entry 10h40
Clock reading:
8h39
